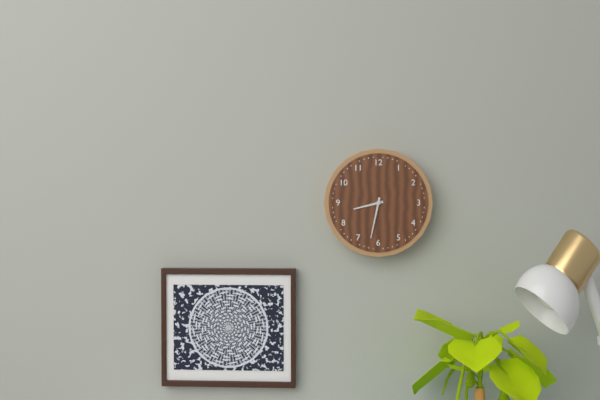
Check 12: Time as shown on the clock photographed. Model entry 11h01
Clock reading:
8h32
